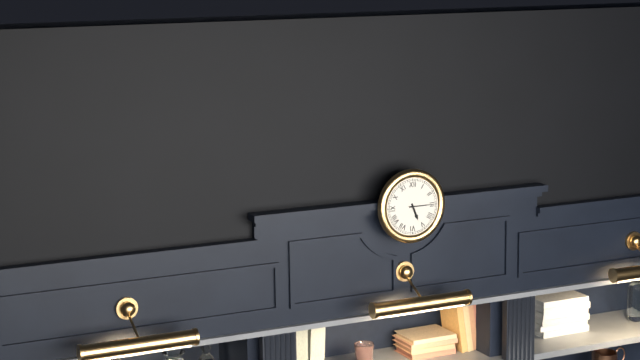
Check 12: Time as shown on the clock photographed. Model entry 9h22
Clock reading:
5h15
